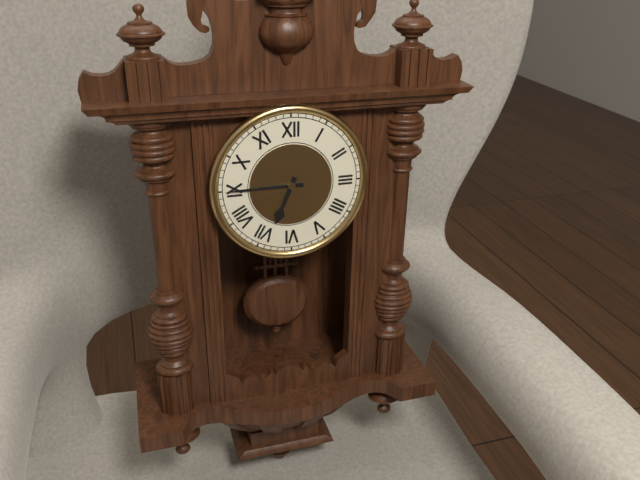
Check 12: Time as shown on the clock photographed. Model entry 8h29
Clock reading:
6h45
